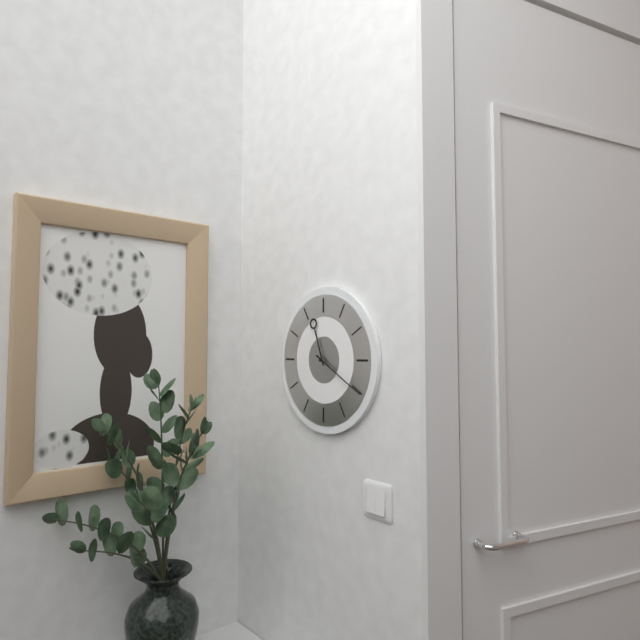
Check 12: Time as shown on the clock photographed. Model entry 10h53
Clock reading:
11h20
